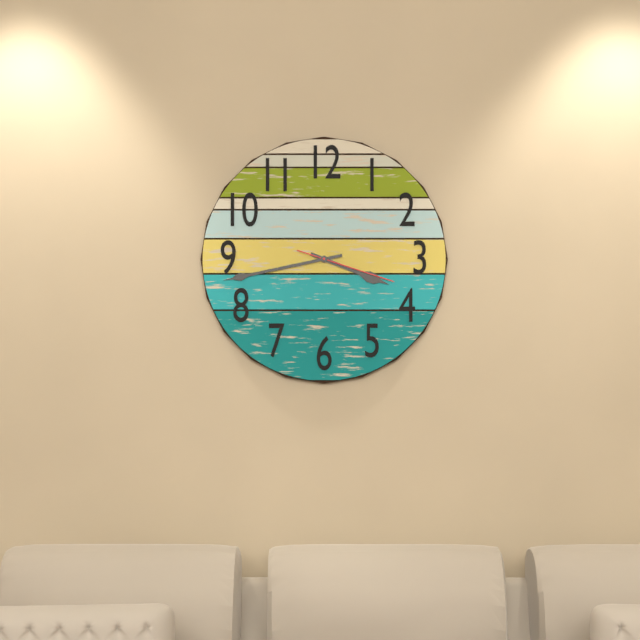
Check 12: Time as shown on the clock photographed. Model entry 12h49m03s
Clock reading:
3h43m18s
